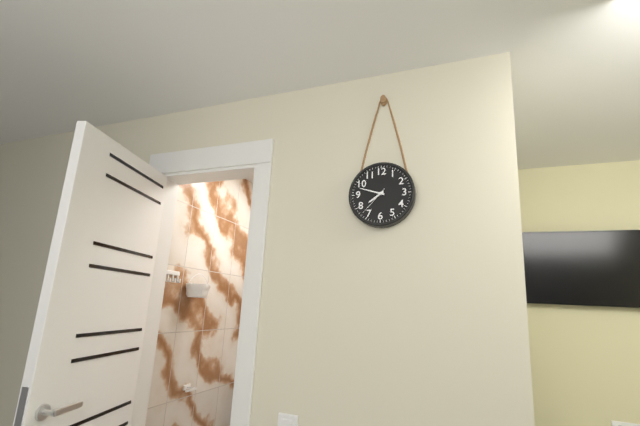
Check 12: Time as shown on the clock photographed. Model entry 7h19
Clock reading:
7h48
